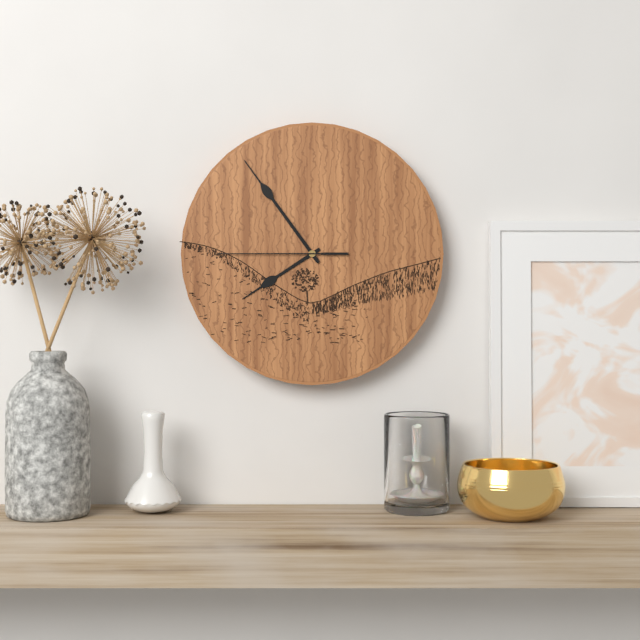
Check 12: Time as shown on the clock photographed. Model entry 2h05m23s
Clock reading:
7h54m45s
